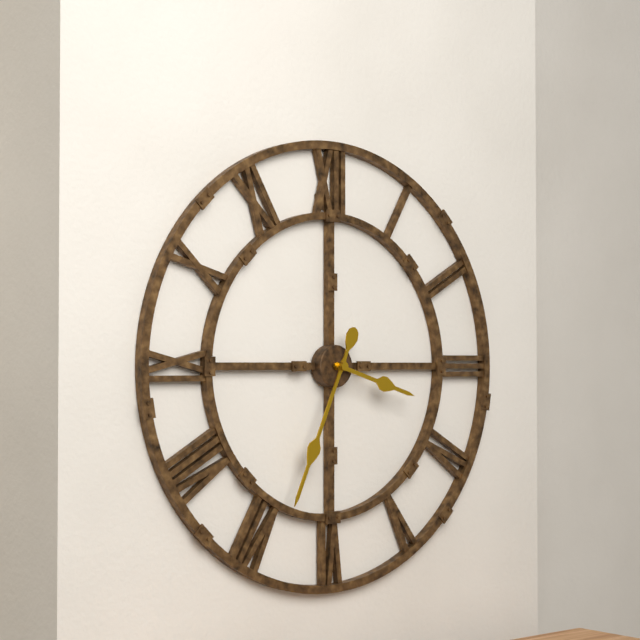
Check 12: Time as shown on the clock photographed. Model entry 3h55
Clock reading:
3h34
